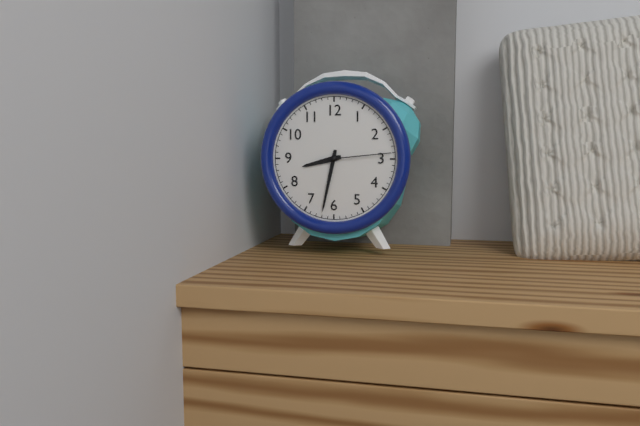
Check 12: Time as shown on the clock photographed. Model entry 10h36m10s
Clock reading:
8h32m14s
